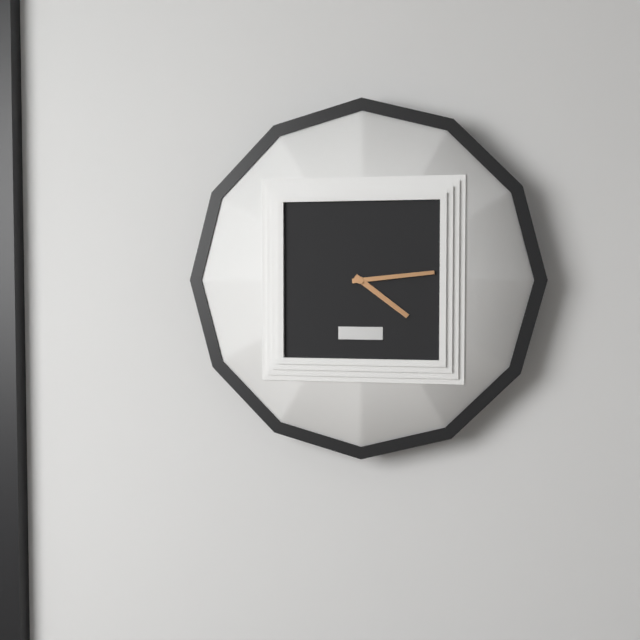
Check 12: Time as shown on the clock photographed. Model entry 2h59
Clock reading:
4h14
